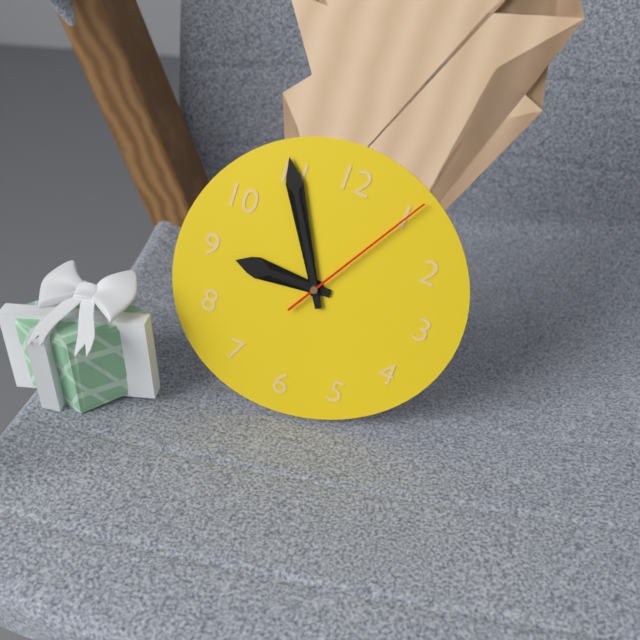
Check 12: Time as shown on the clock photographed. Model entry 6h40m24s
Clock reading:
8h55m05s
